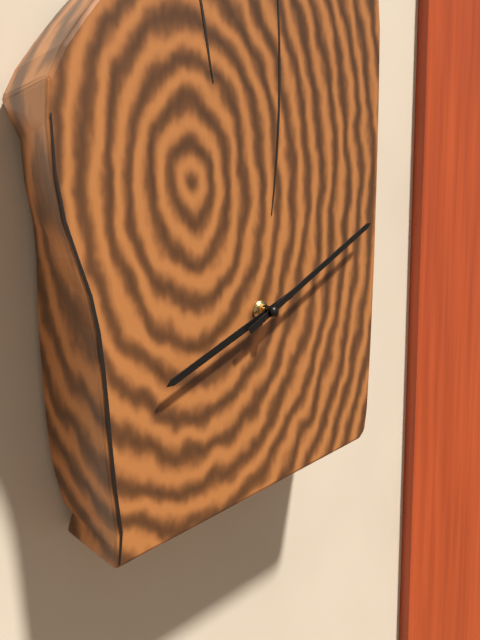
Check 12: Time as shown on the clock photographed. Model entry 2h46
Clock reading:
8h10
